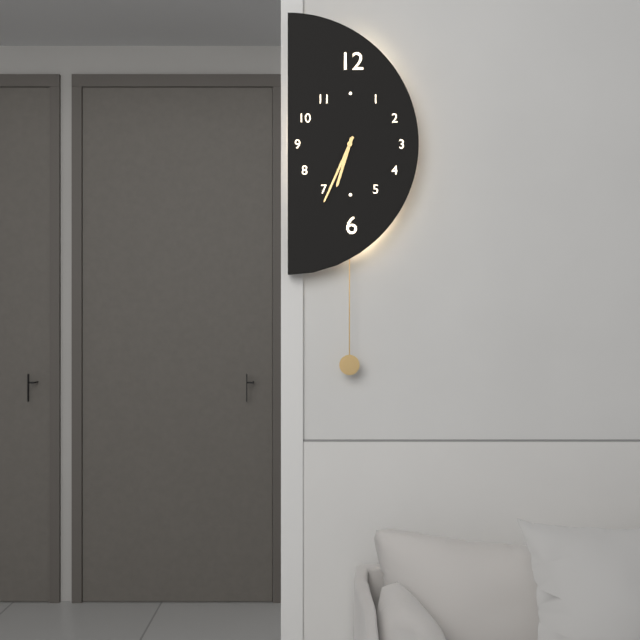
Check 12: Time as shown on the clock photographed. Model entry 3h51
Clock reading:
6h34
